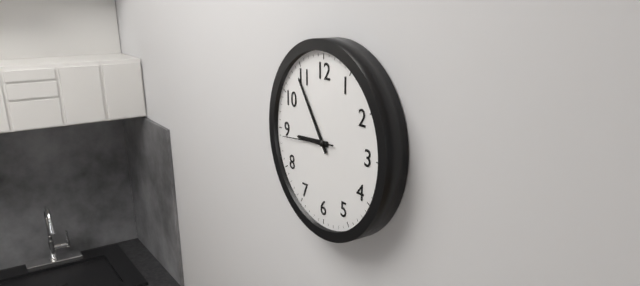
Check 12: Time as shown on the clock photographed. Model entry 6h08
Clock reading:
8h54
